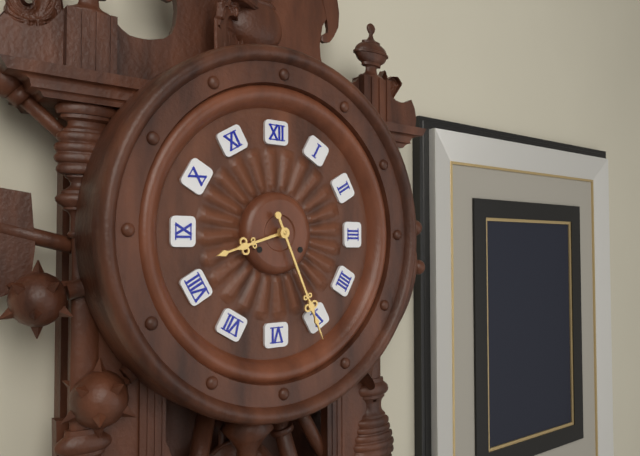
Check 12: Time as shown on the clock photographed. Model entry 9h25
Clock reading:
8h26
